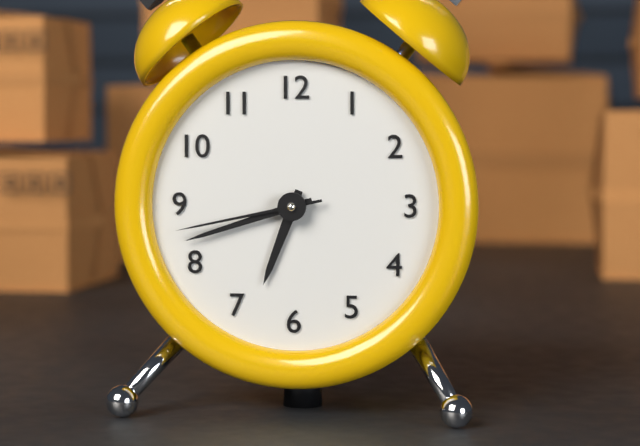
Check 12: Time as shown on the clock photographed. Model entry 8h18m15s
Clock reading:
6h42m43s
